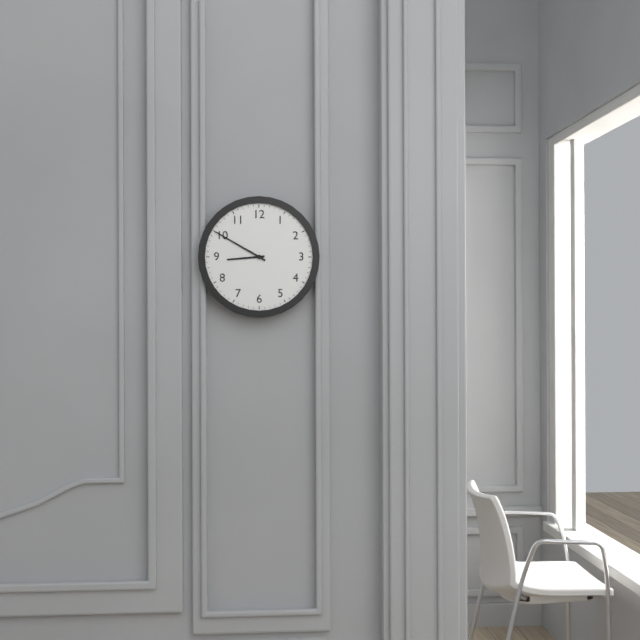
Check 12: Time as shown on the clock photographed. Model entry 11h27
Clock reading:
8h50
